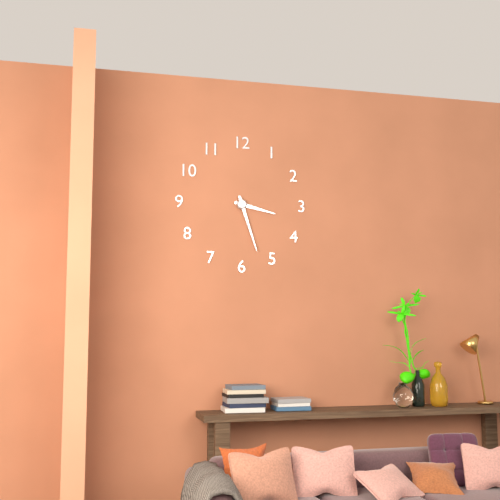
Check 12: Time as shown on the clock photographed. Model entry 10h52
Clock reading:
3h27
